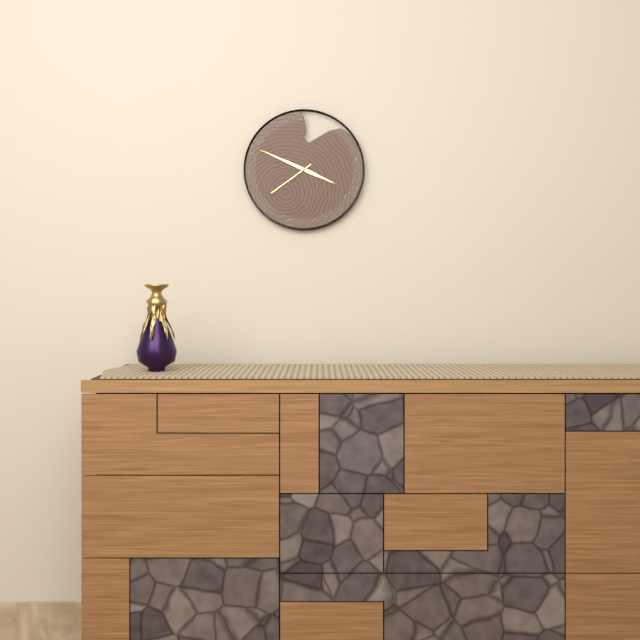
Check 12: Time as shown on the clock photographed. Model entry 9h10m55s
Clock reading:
3h49m39s
